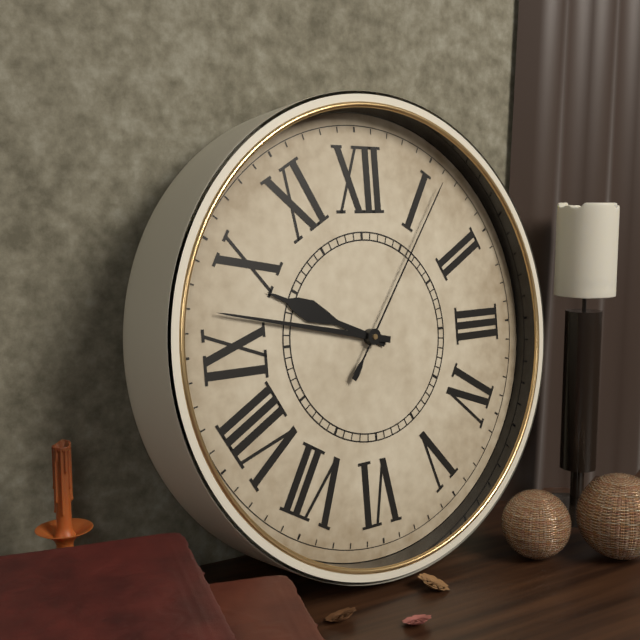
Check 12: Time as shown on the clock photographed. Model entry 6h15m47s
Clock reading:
9h47m06s
